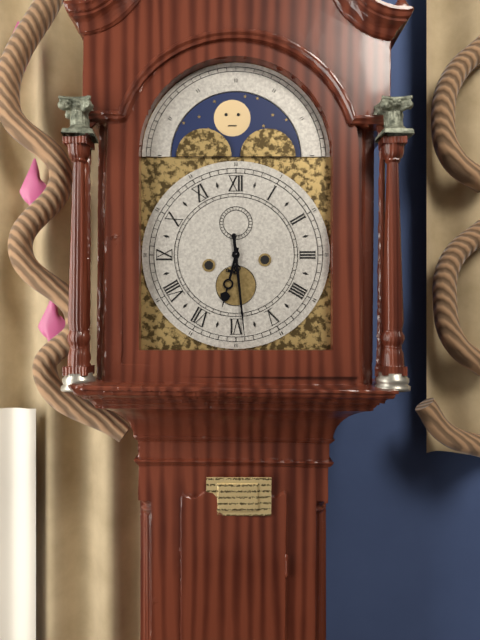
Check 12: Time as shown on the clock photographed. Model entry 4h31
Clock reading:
6h29
